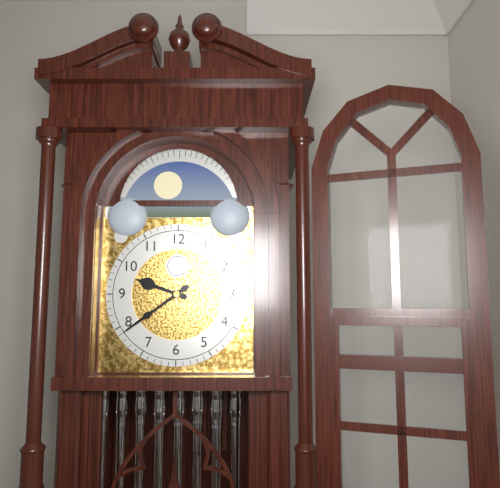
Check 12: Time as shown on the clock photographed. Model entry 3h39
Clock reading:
9h39
